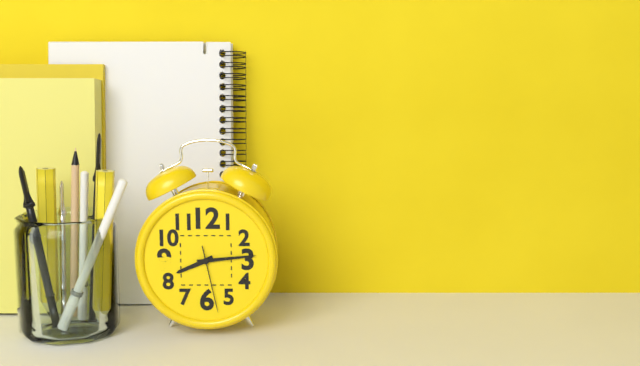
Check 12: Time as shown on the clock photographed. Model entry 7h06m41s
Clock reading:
8h14m28s
